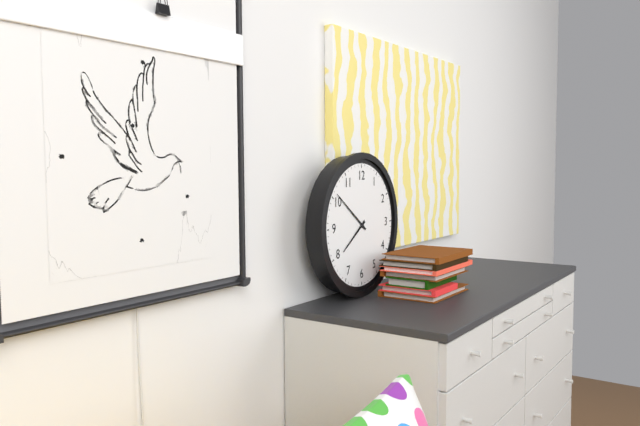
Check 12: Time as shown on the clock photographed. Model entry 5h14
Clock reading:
7h51
